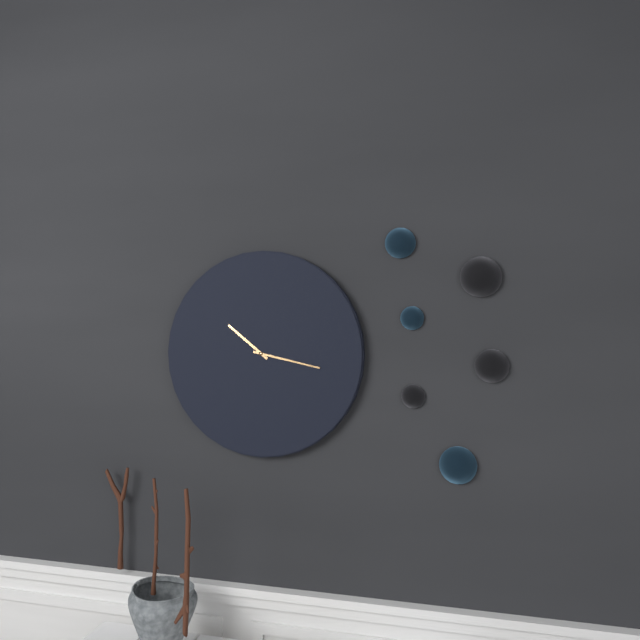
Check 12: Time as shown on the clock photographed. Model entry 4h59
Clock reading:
10h17
